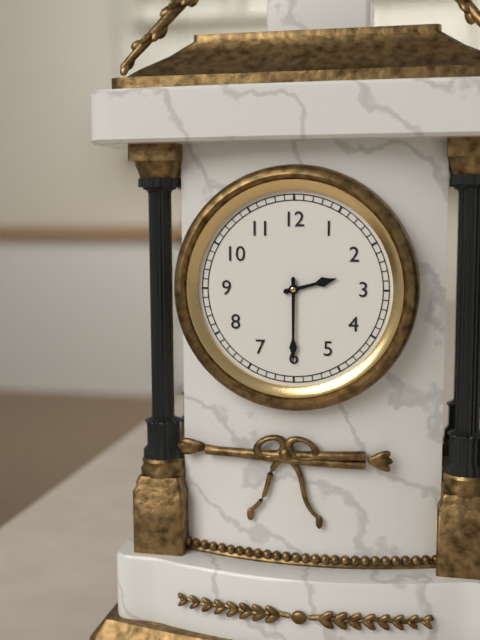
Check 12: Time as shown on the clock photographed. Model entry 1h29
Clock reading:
2h30
